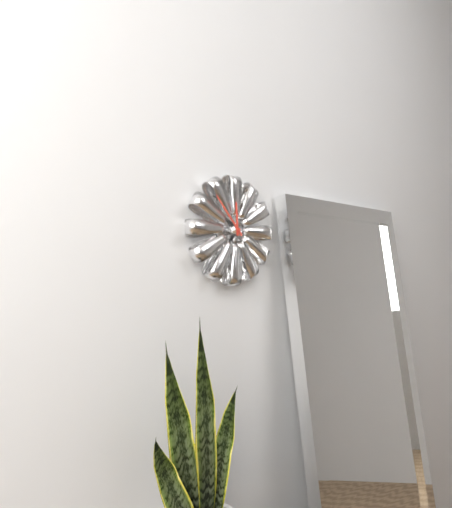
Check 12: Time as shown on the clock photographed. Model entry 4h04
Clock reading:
11h53
